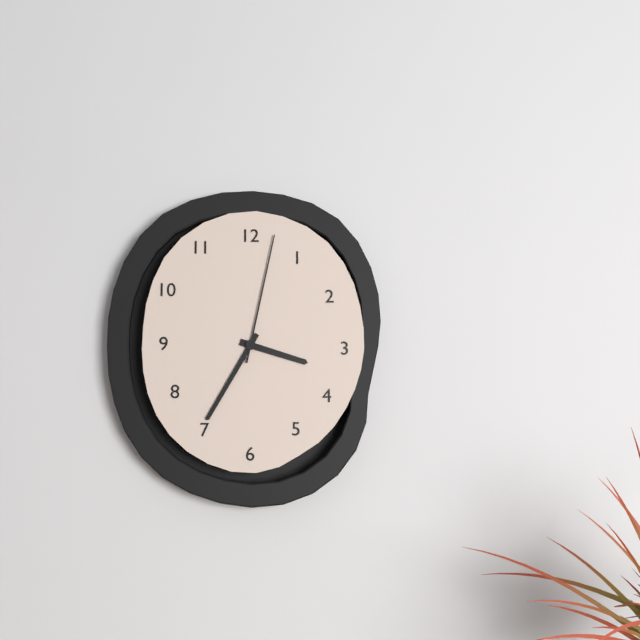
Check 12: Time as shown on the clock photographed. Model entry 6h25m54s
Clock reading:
3h35m02s
